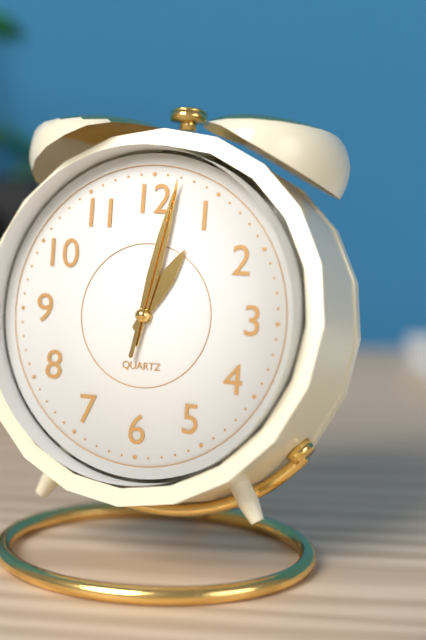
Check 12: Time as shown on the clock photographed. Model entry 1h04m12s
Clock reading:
1h02m02s
